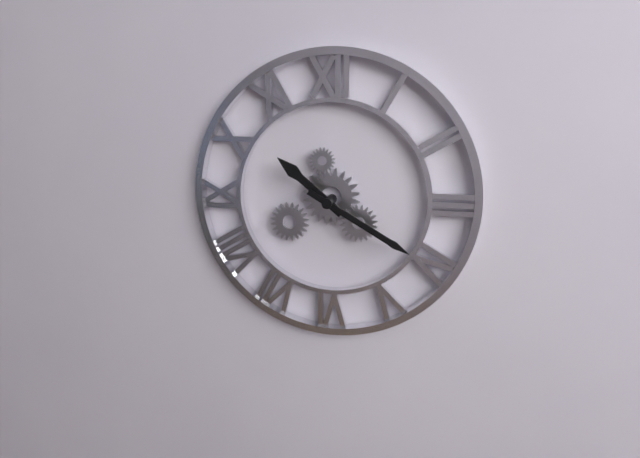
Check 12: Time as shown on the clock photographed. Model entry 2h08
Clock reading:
10h20
